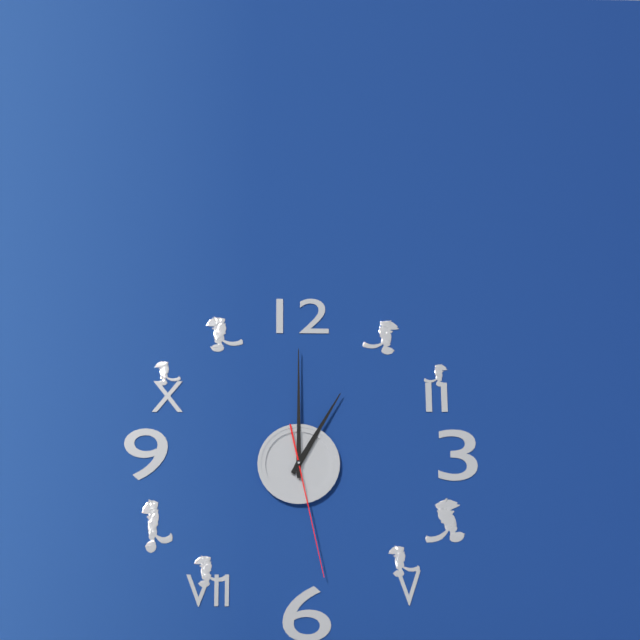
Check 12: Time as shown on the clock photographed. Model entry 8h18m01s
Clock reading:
1h00m28s
